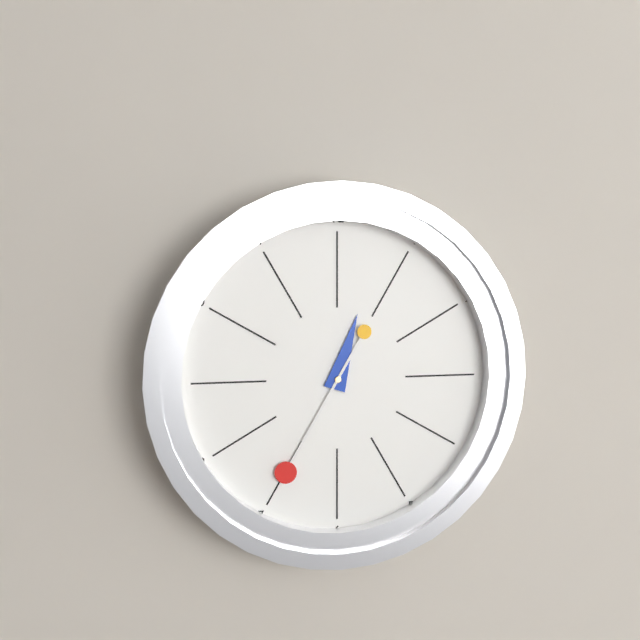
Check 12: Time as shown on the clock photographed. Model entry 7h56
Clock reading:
12h35
